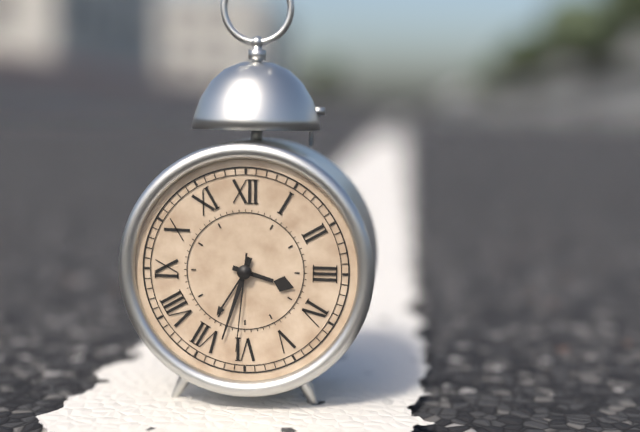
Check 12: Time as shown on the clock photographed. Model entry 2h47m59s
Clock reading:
3h33m31s
